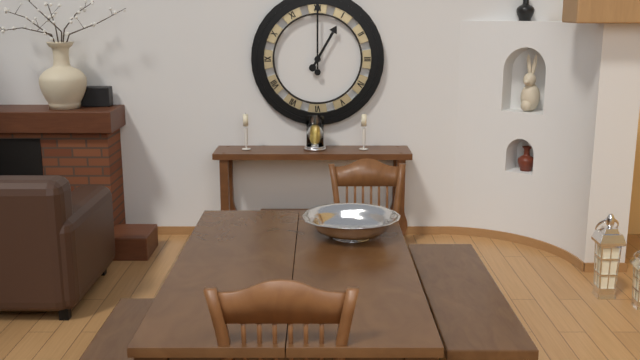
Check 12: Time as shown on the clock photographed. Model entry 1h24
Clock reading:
1h00
